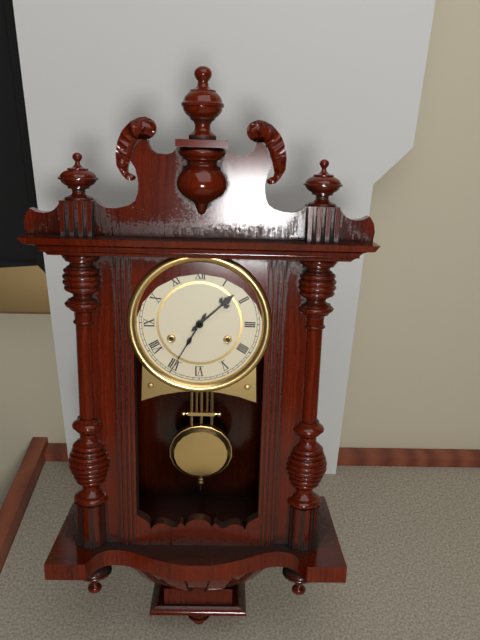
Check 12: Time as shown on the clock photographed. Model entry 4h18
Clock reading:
1h35
